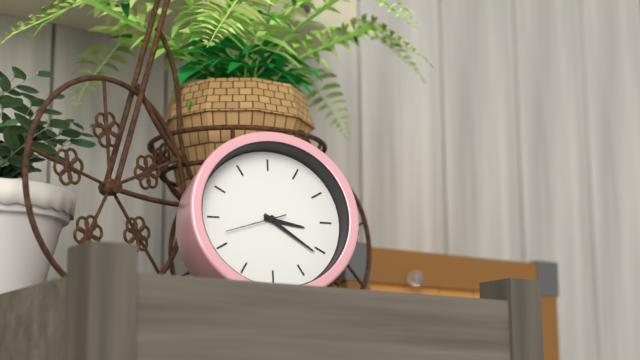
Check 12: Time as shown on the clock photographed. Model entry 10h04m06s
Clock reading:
3h21m42s
